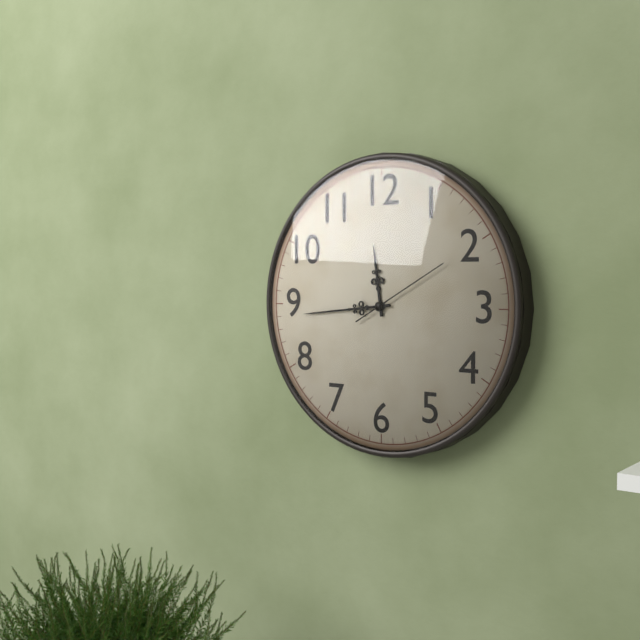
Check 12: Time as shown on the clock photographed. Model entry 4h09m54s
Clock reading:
11h44m10s
